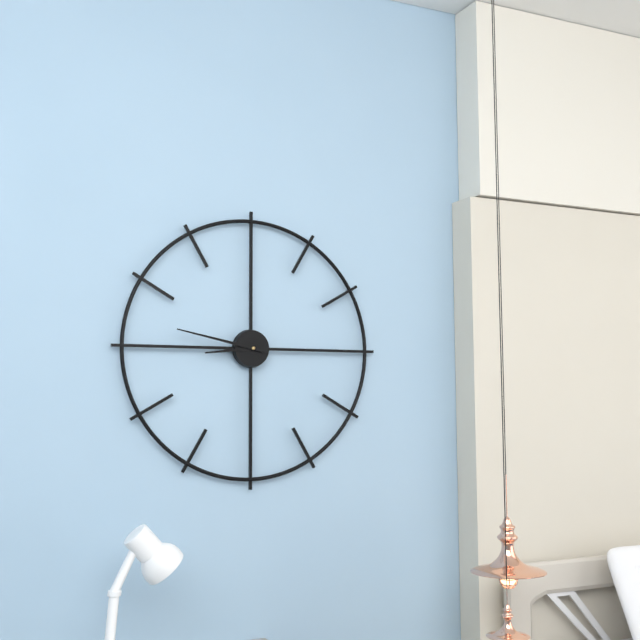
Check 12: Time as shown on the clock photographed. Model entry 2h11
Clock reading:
8h47
